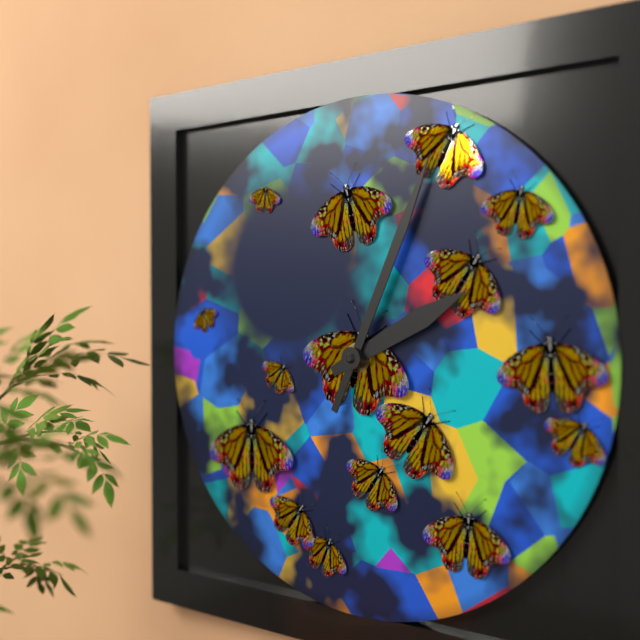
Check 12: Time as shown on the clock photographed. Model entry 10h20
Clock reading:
2h04
